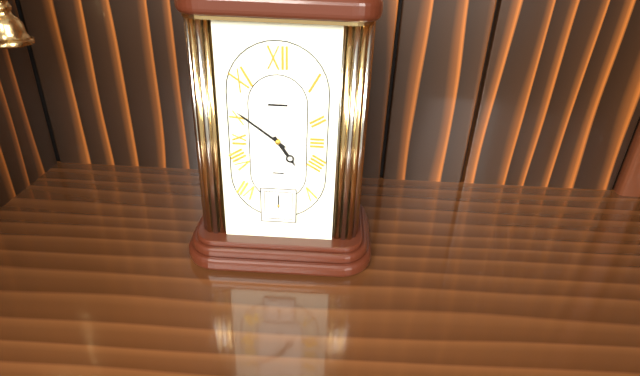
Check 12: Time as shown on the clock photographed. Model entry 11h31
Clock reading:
4h51
